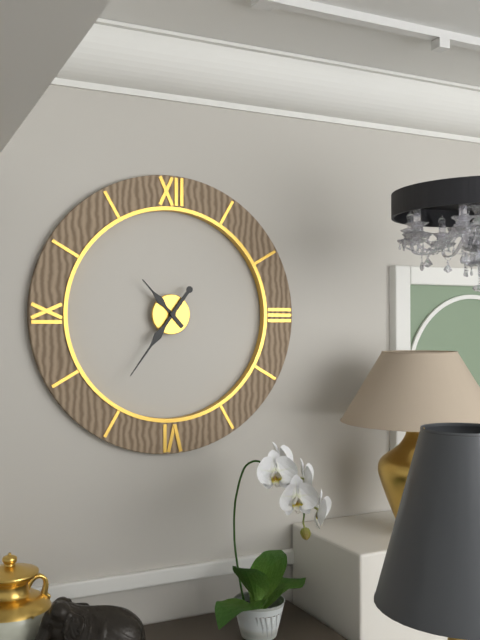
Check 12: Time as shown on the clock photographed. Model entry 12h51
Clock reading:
10h36
